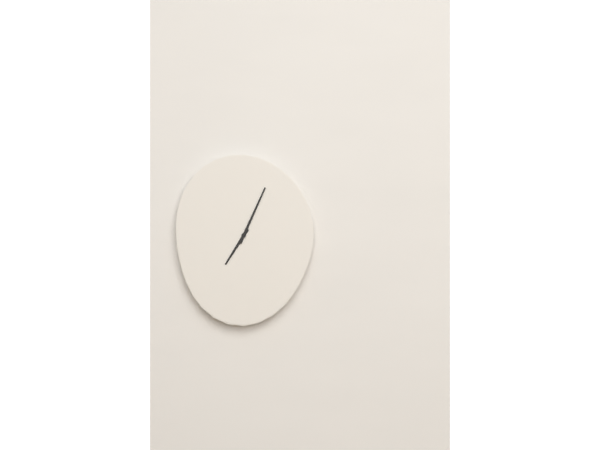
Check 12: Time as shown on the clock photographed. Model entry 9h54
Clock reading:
7h04
